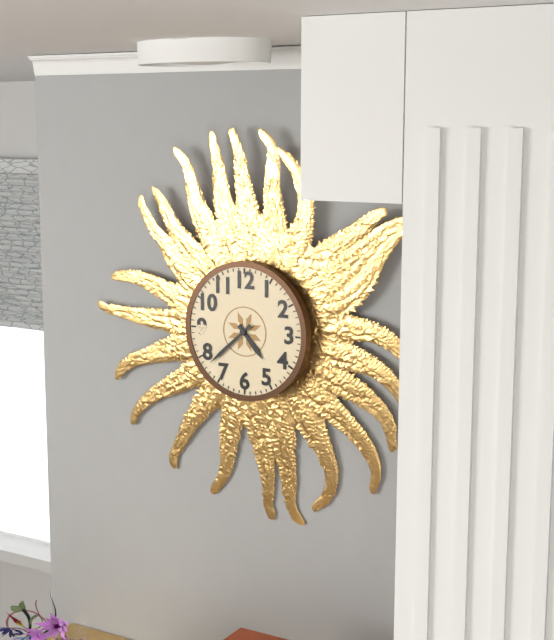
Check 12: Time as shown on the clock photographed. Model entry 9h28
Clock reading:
4h38
